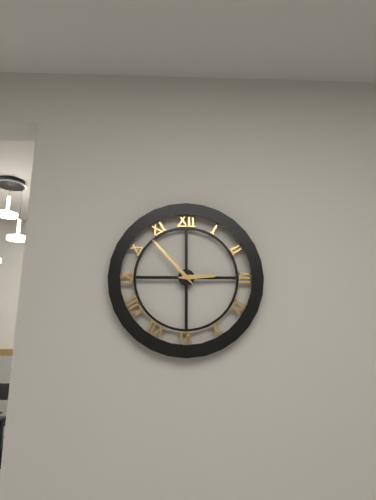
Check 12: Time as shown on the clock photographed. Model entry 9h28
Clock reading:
2h53
